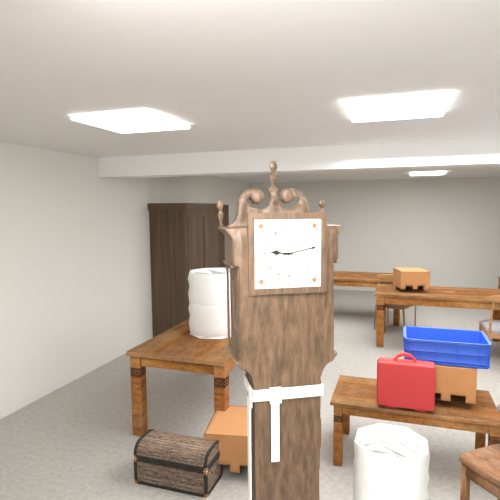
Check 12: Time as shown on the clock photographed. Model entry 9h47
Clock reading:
9h13
